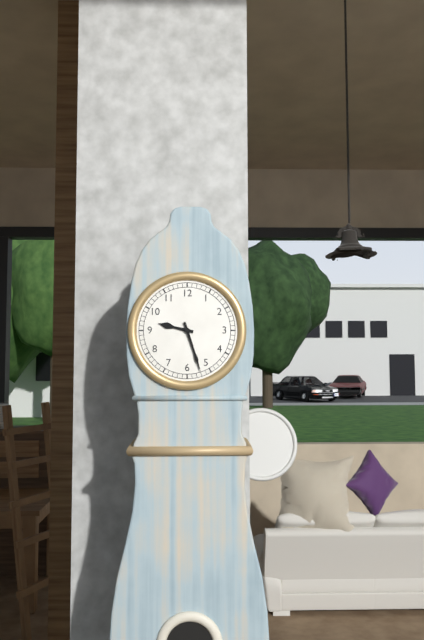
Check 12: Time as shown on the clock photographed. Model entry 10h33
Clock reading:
9h27
